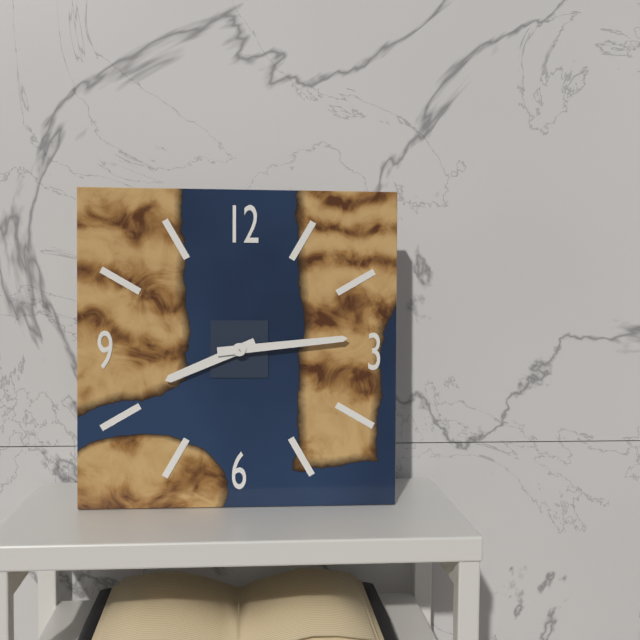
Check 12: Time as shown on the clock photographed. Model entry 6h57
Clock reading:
8h14
